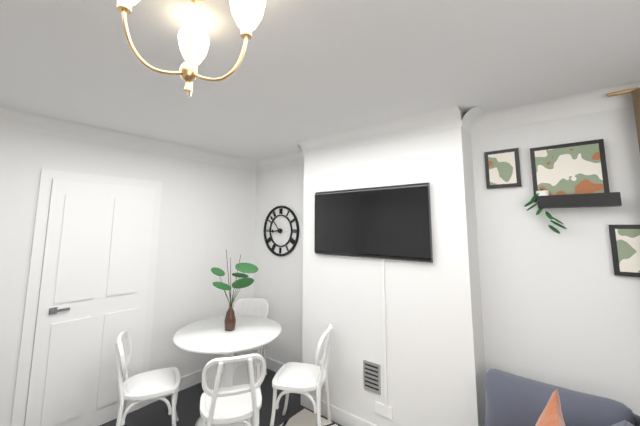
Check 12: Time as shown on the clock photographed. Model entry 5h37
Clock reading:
8h53
